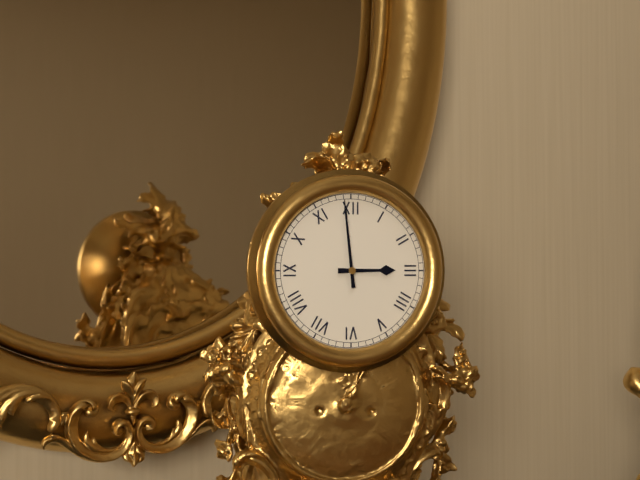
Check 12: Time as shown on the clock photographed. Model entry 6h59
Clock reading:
2h59
